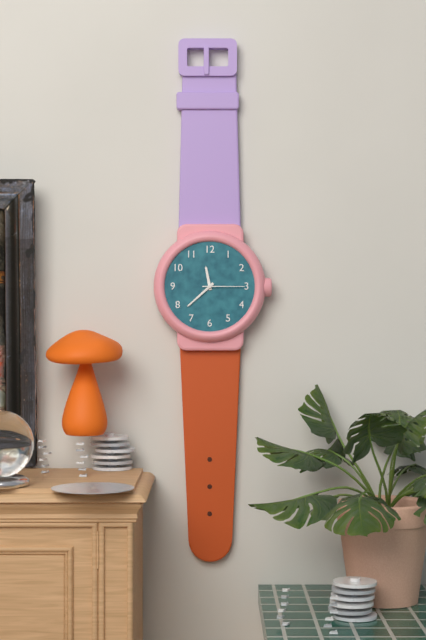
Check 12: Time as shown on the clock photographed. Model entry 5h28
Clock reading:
11h38
